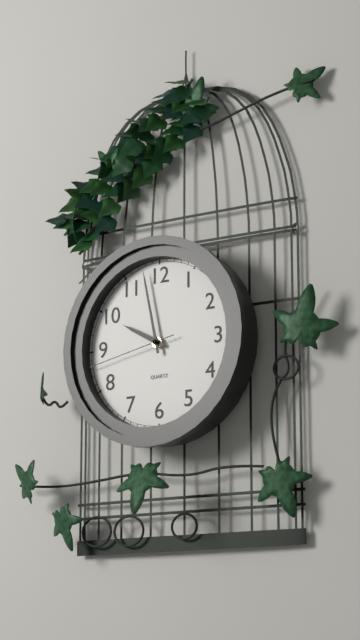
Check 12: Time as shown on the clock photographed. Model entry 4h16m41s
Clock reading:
9h58m43s
